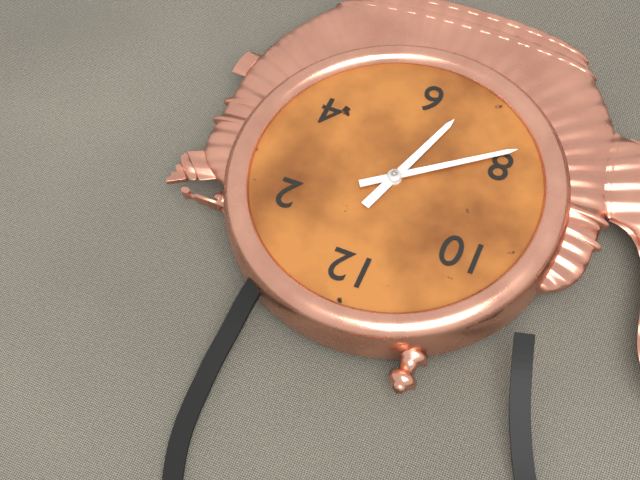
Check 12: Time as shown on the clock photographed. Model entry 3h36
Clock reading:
6h39
